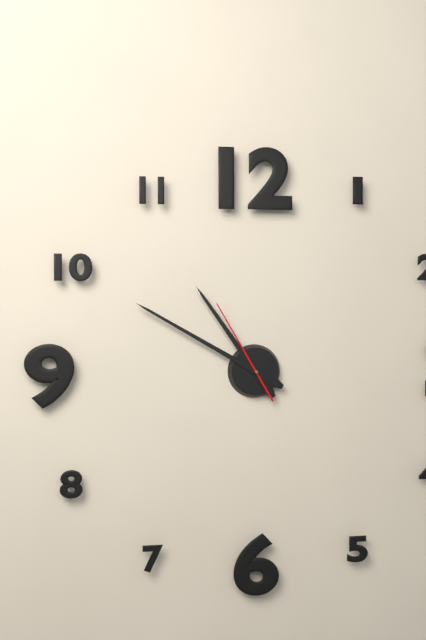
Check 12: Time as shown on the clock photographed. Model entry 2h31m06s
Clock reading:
10h50m55s
